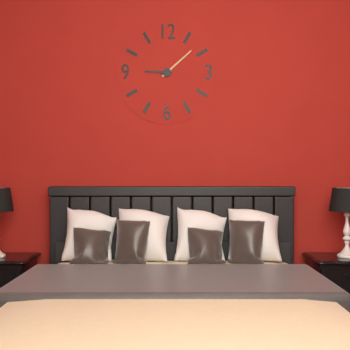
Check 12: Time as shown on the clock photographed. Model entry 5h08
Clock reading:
9h08
